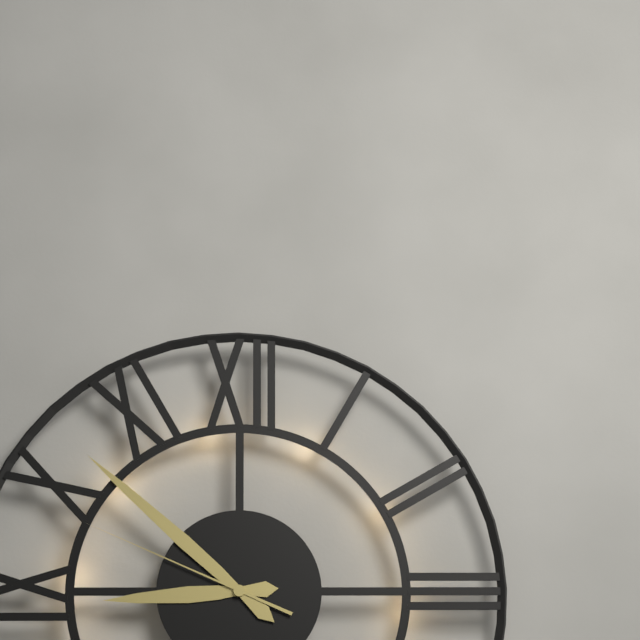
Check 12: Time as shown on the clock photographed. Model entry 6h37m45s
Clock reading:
8h52m49s
